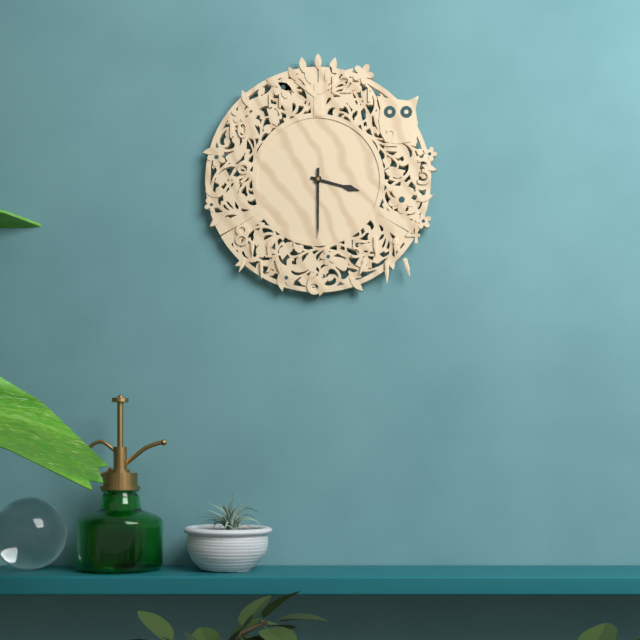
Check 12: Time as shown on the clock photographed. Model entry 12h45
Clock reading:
3h30
